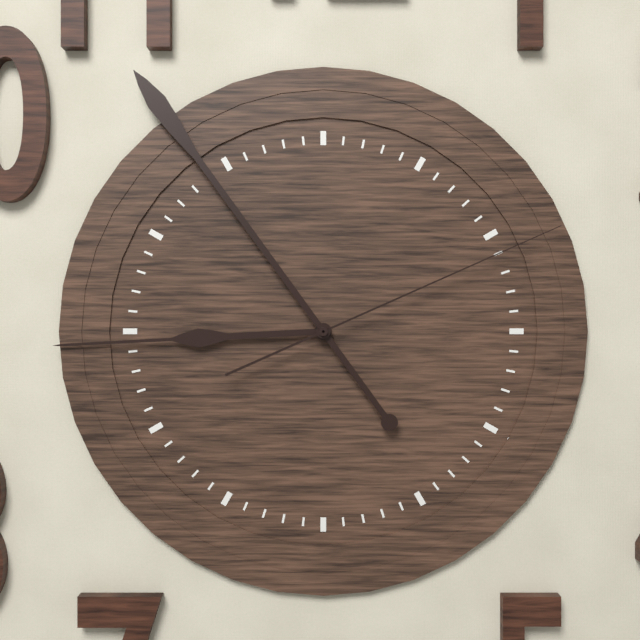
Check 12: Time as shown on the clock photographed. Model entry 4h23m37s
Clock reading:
8h54m11s
